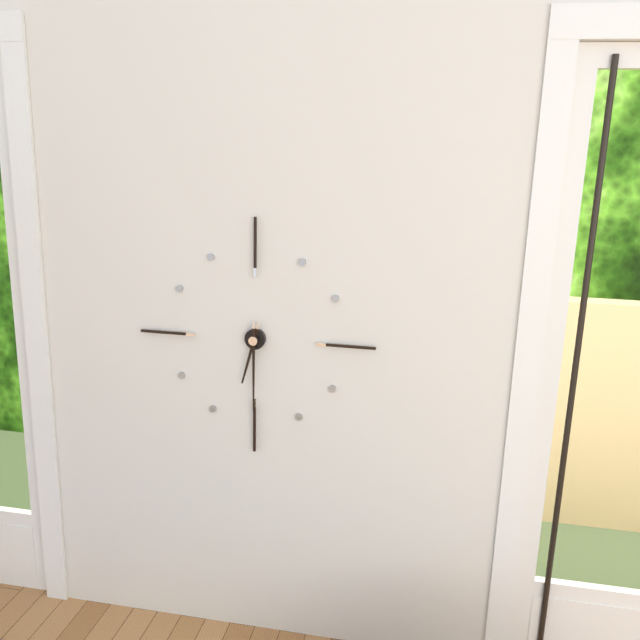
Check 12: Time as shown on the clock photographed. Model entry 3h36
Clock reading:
6h30
